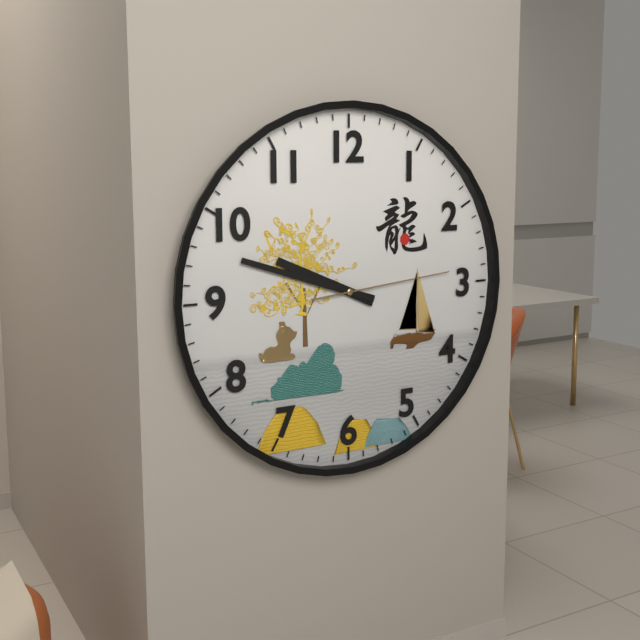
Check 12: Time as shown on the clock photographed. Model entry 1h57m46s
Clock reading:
9h48m14s
